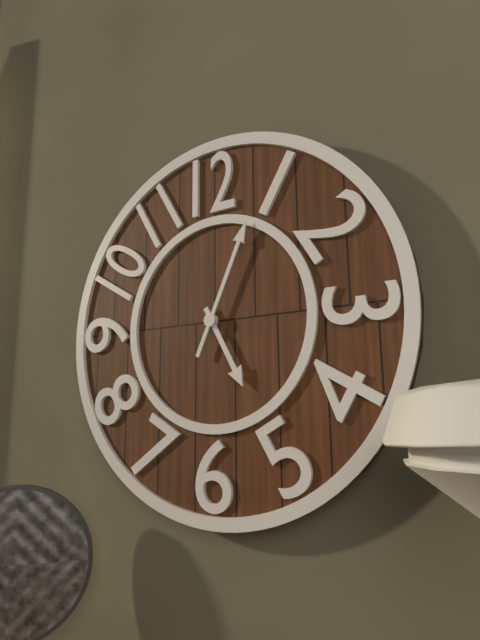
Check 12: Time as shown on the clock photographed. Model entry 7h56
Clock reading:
5h04
